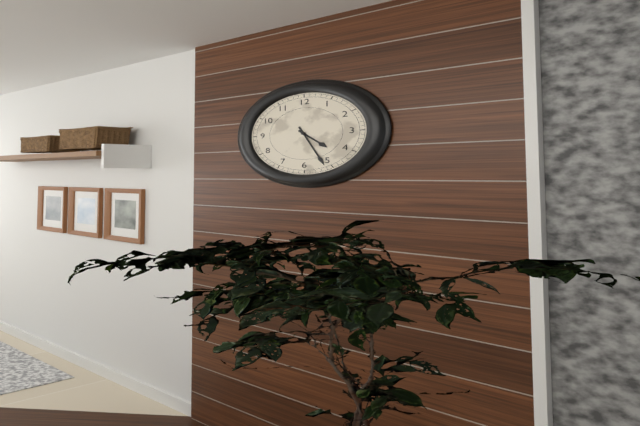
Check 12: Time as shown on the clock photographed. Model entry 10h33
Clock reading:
4h26
